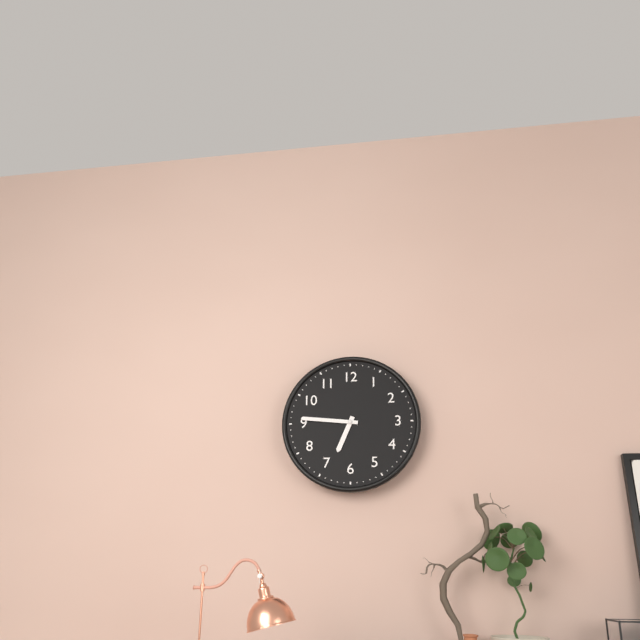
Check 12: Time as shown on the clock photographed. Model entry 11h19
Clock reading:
6h46
